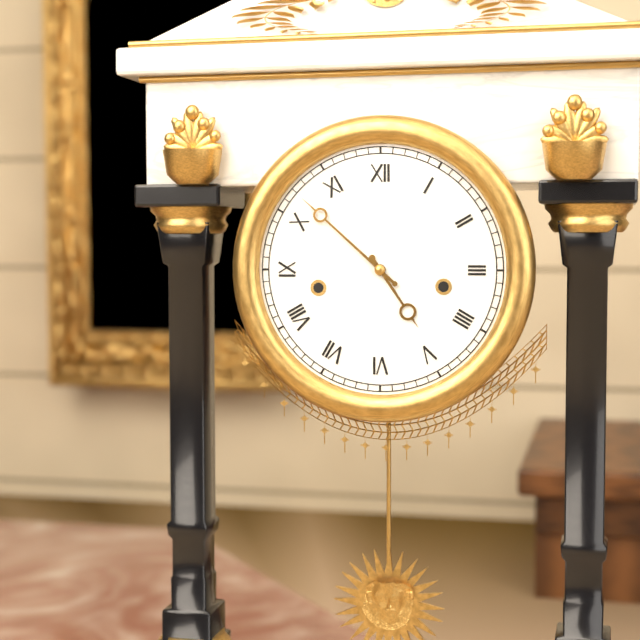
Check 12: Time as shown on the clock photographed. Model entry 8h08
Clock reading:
4h52
